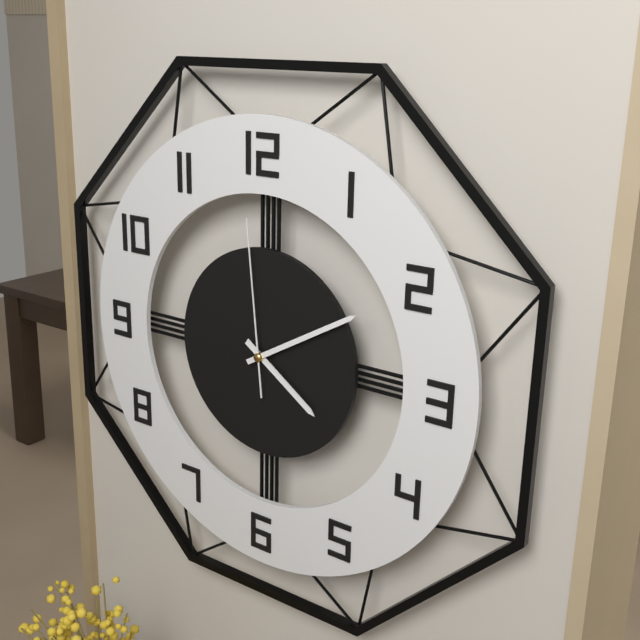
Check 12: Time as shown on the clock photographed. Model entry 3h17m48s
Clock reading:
4h10m59s
